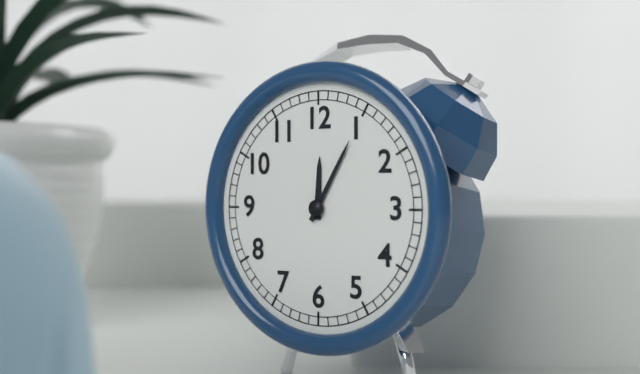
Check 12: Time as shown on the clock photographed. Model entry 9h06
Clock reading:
12h05
